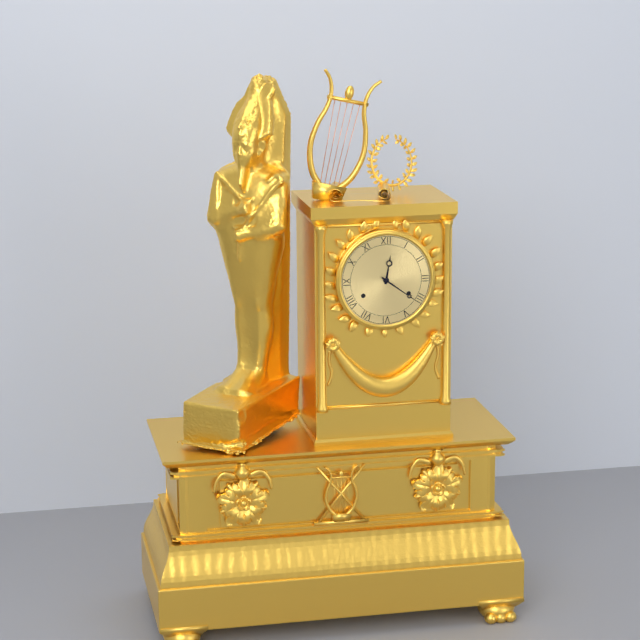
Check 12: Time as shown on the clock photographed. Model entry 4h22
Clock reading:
12h21
